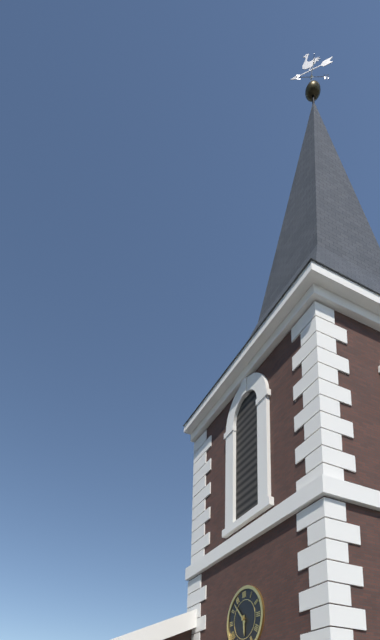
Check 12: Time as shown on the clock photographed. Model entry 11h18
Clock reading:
5h53
